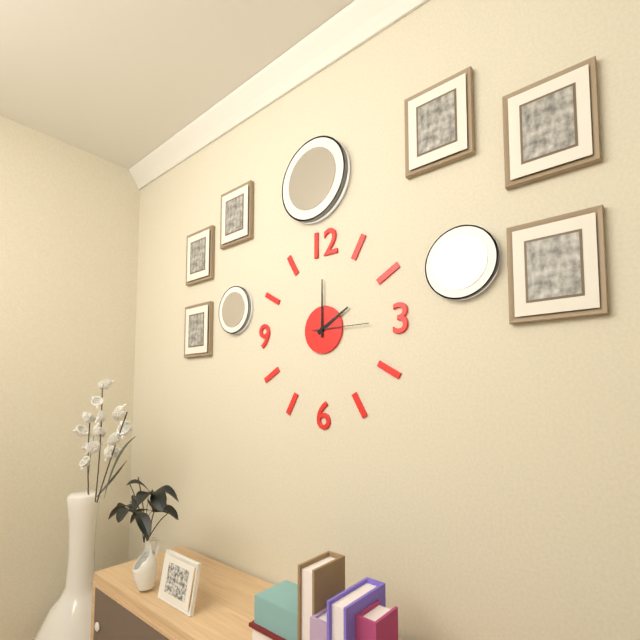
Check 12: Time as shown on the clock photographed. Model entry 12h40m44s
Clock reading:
2h00m15s
